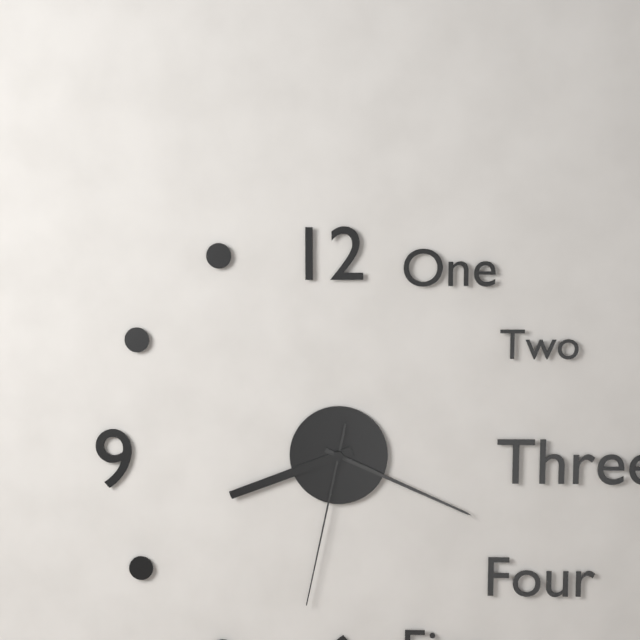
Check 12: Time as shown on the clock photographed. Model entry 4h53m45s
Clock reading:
8h19m32s
